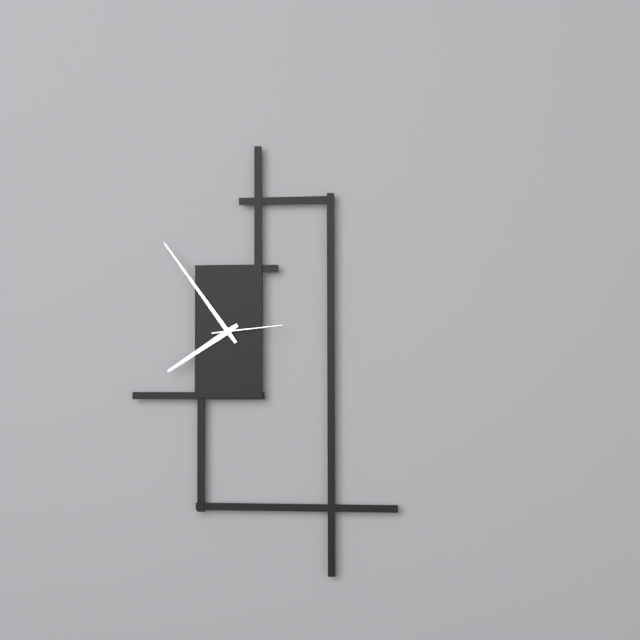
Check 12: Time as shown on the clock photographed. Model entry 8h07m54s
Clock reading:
7h54m14s
